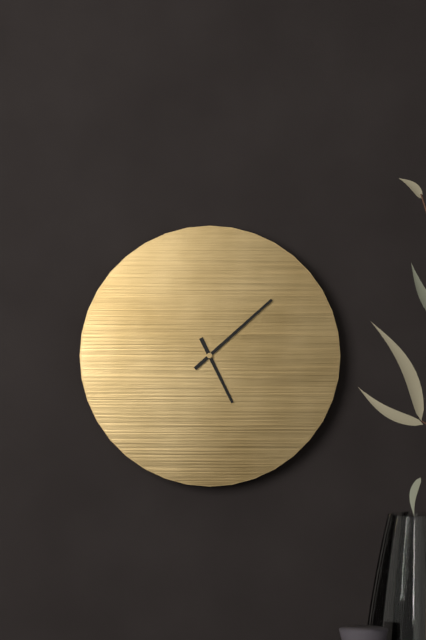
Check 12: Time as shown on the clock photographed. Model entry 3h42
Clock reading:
5h08
